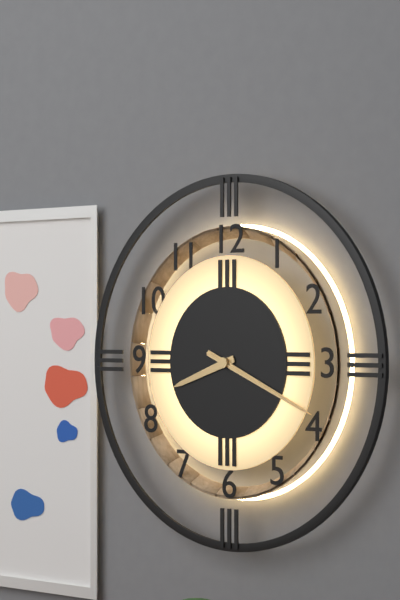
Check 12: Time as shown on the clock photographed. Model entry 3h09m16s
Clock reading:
8h19m19s
